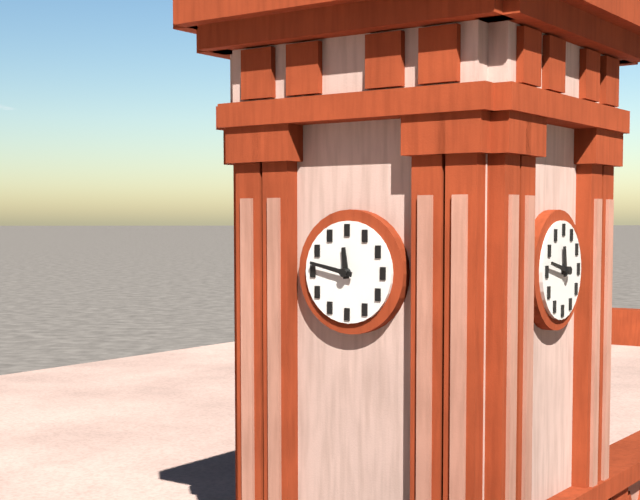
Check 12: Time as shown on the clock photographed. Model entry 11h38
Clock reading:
11h47
